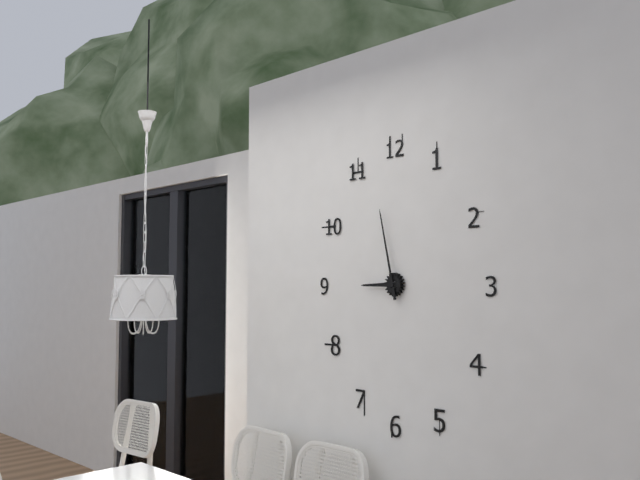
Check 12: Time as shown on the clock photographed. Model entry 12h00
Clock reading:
8h58
